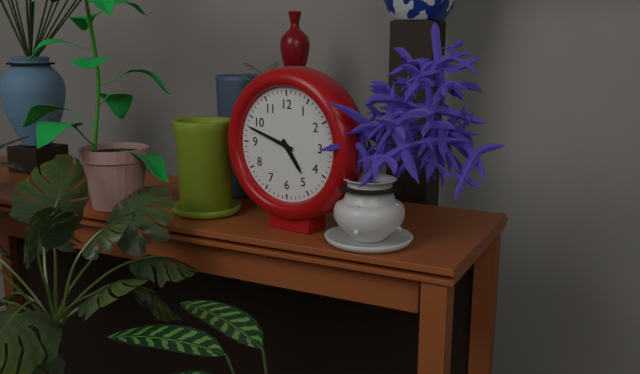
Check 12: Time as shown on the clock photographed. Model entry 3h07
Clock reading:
4h48
